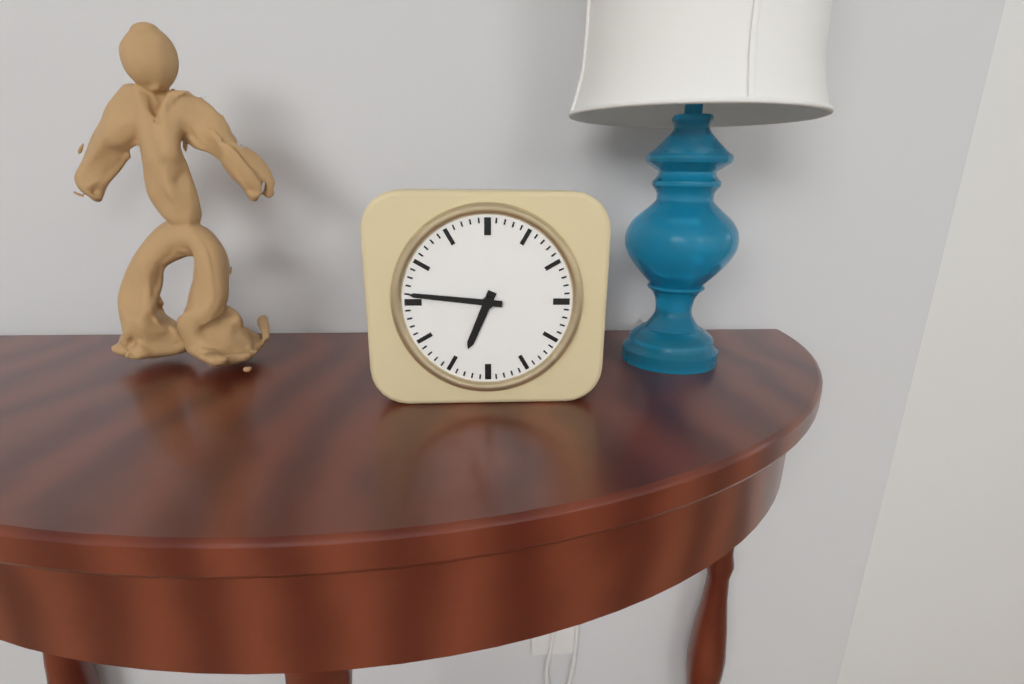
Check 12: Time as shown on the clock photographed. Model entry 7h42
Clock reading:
6h46
